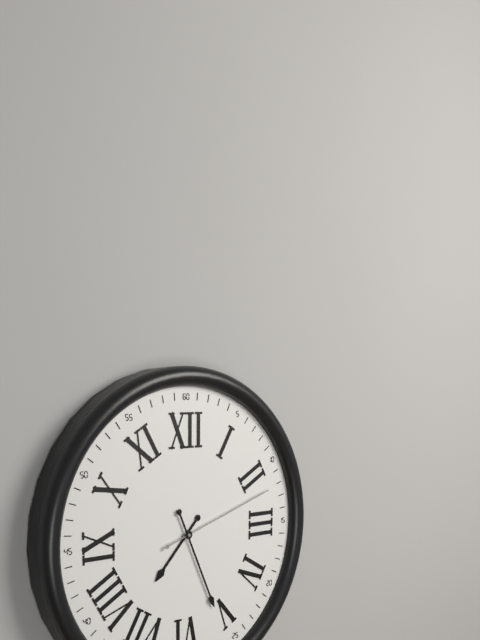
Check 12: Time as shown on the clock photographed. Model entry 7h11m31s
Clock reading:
7h26m12s
